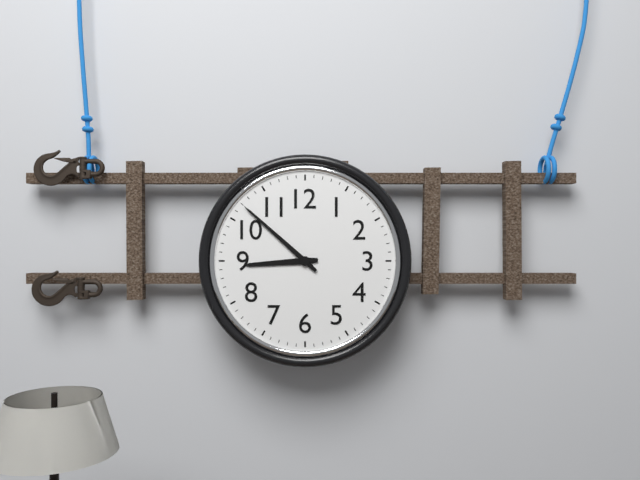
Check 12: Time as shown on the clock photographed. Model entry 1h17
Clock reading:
8h52
